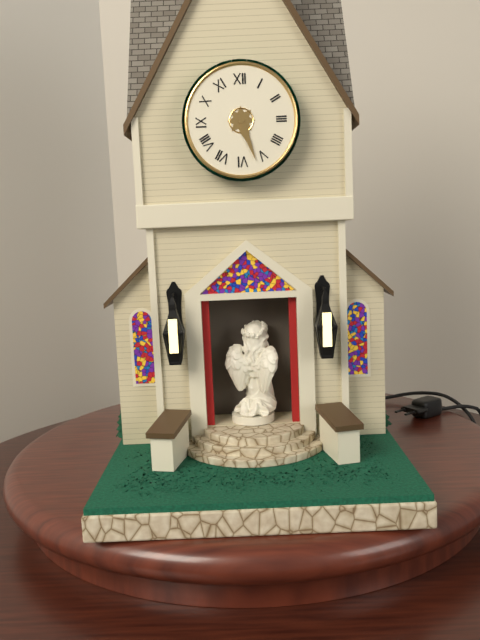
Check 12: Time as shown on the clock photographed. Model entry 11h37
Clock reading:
5h27
